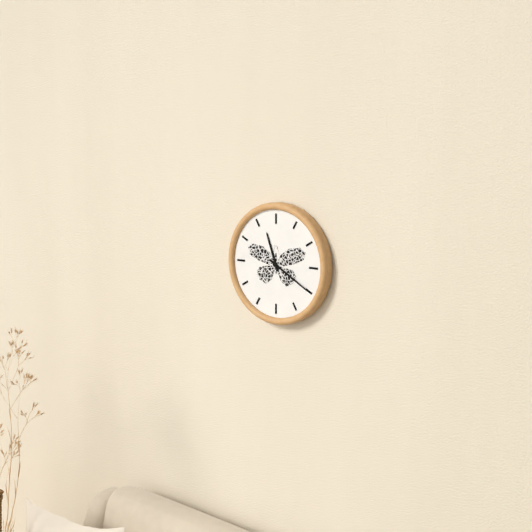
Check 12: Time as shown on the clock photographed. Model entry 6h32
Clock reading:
11h20
